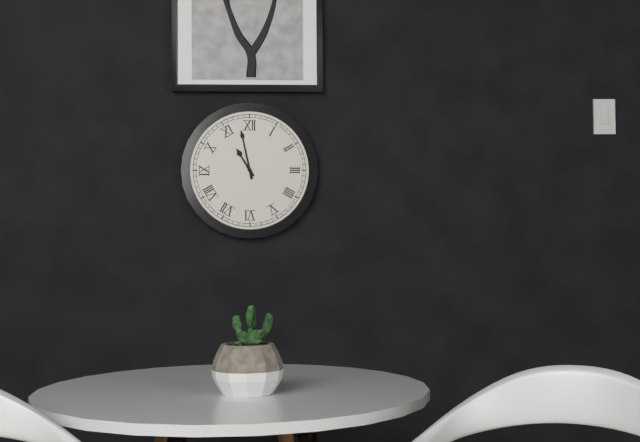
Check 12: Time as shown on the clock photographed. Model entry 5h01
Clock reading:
10h58
